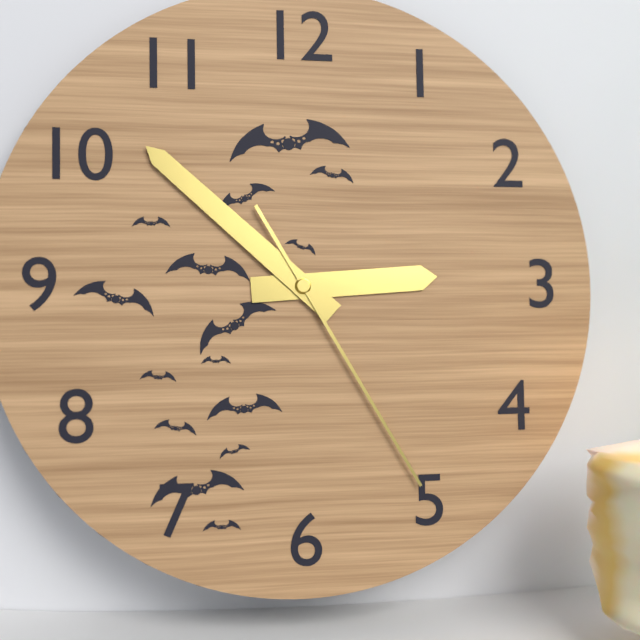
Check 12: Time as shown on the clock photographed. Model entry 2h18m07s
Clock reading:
2h52m25s
